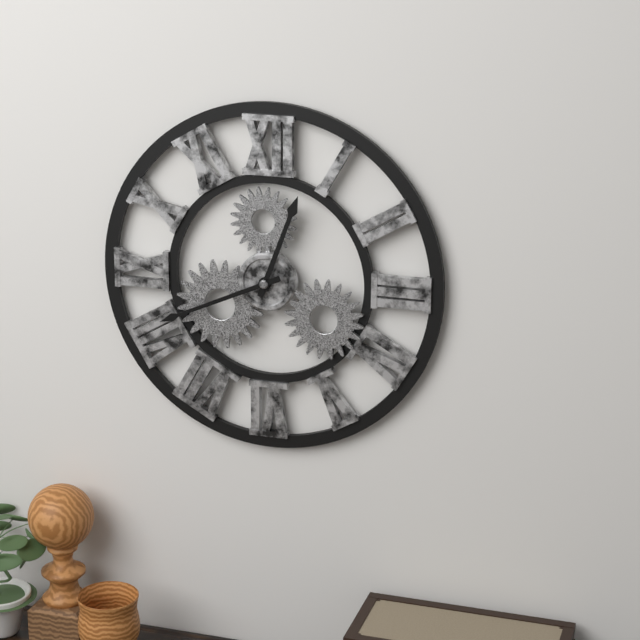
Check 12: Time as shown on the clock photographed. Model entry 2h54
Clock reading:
12h41
